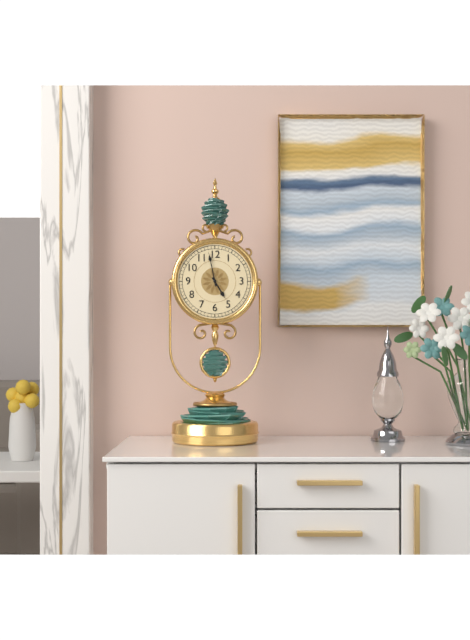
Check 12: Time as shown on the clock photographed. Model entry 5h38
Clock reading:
4h58
